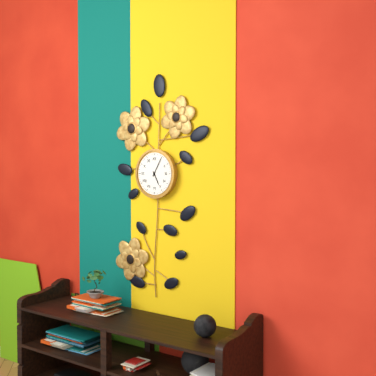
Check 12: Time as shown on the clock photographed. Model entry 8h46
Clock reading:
5h05
